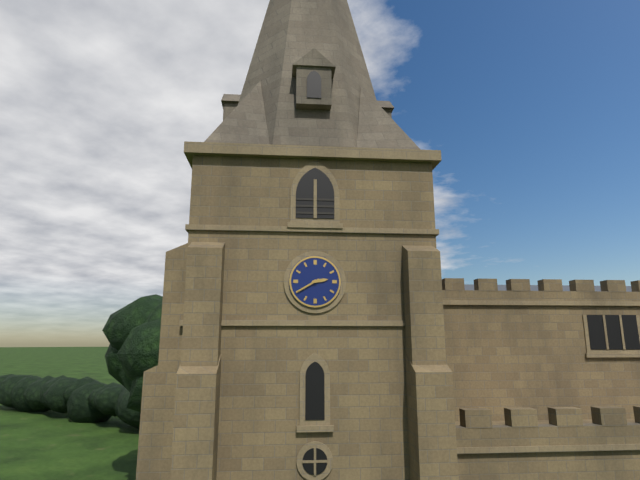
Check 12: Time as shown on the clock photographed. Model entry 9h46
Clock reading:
2h40
